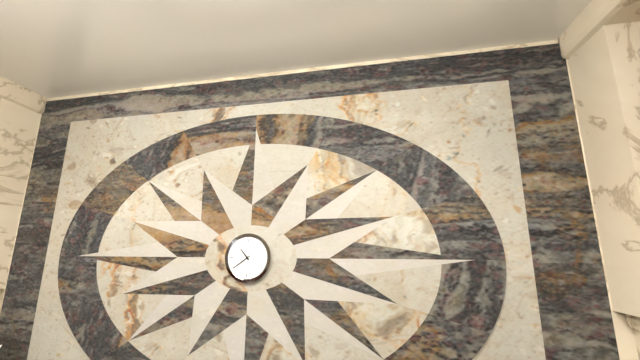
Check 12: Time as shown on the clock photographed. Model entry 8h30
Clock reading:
10h39
